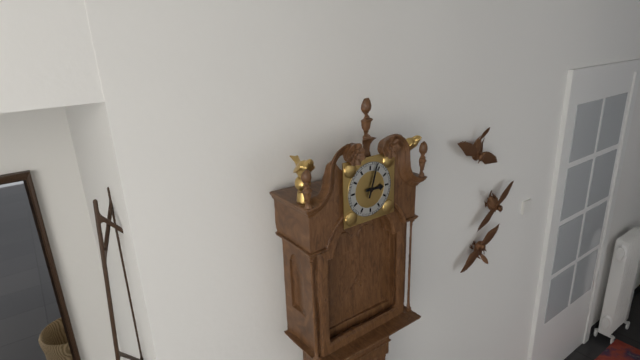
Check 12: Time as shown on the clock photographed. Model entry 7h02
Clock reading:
3h03
